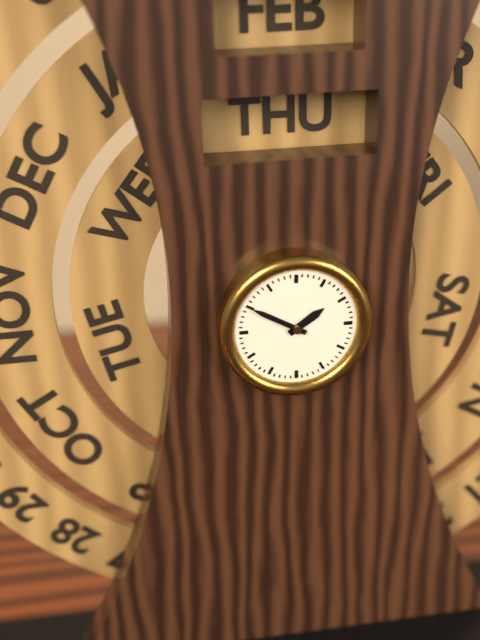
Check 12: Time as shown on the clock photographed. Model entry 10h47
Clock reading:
1h50
